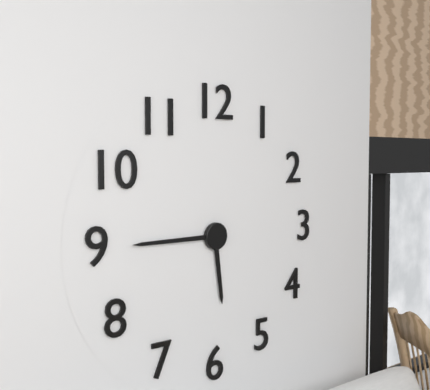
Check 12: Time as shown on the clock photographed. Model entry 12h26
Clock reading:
5h45
